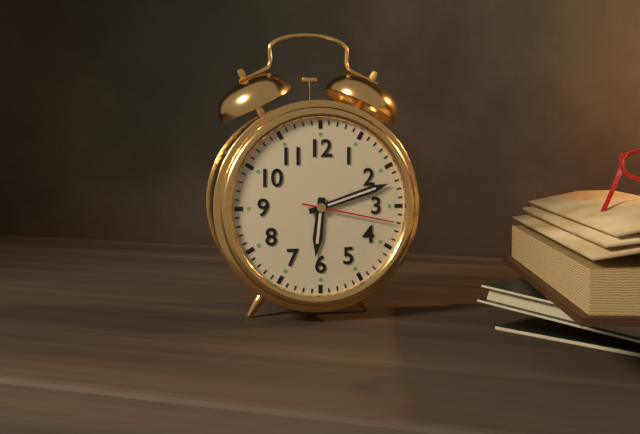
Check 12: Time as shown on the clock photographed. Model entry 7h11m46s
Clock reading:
6h12m17s
